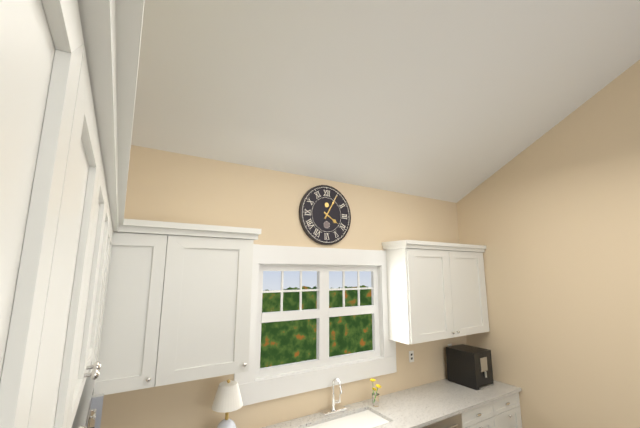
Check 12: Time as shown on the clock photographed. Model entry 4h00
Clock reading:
4h05
